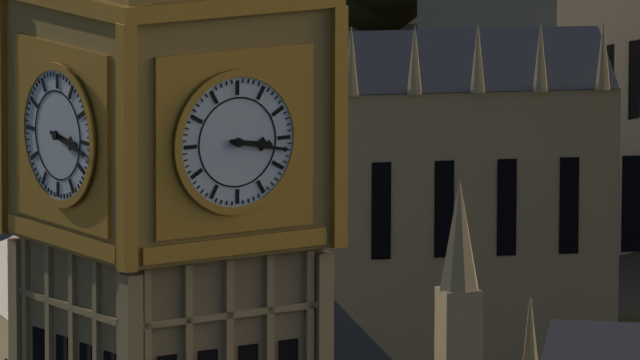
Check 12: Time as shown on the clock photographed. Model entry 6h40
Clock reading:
3h17
